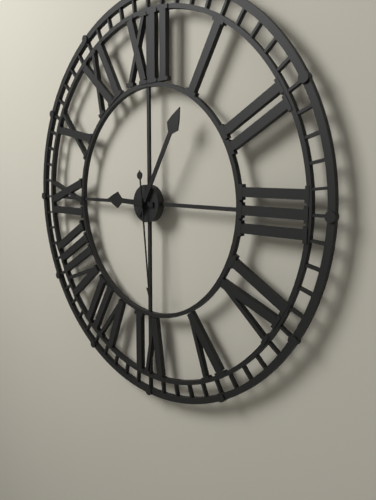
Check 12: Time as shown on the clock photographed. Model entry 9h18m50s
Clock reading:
9h05m29s
